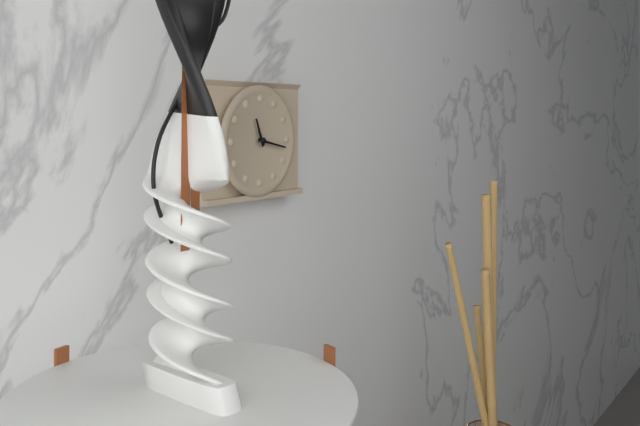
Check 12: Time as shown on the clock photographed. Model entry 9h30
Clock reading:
11h17
